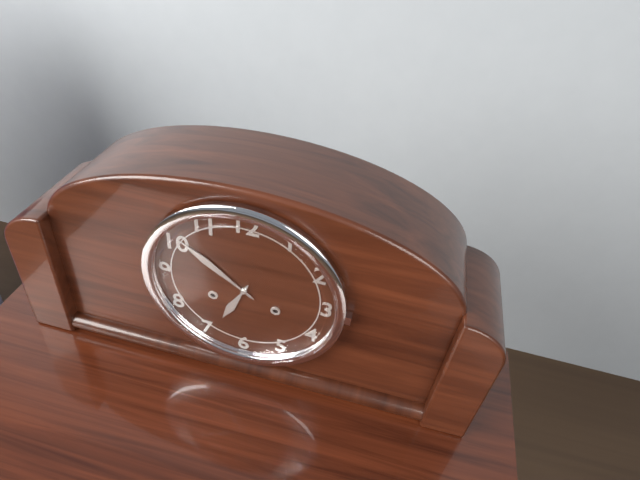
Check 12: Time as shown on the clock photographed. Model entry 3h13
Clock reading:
6h51
